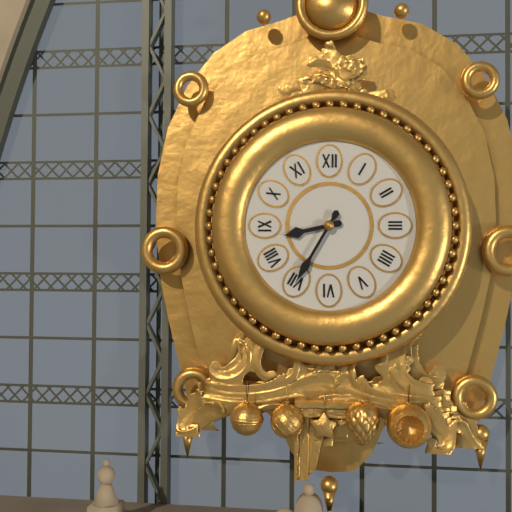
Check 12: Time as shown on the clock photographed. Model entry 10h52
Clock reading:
8h35
